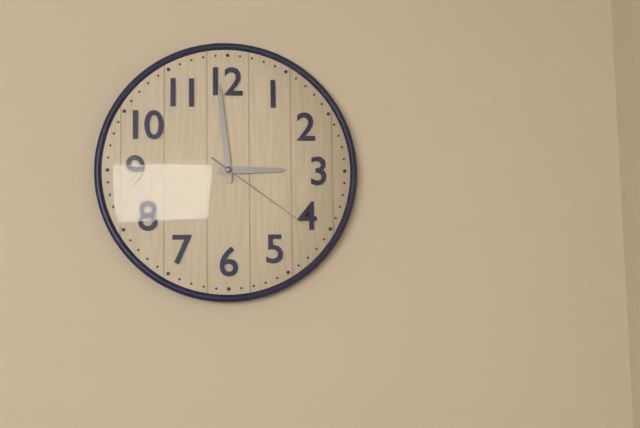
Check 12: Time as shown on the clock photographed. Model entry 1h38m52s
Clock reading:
2h59m21s
